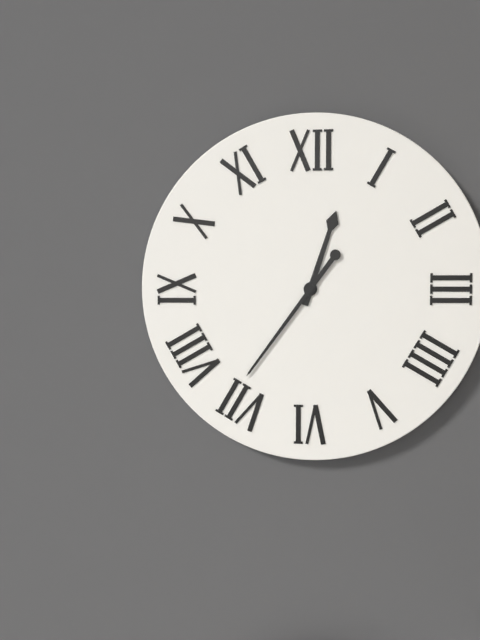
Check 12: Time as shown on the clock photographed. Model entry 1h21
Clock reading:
12h36
